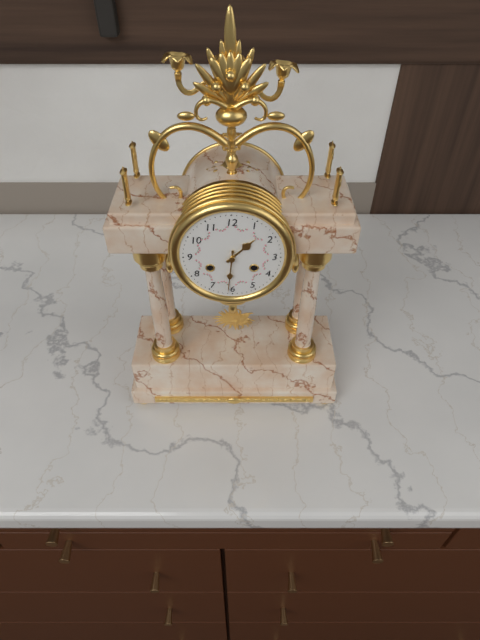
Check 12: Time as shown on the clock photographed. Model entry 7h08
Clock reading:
1h31
